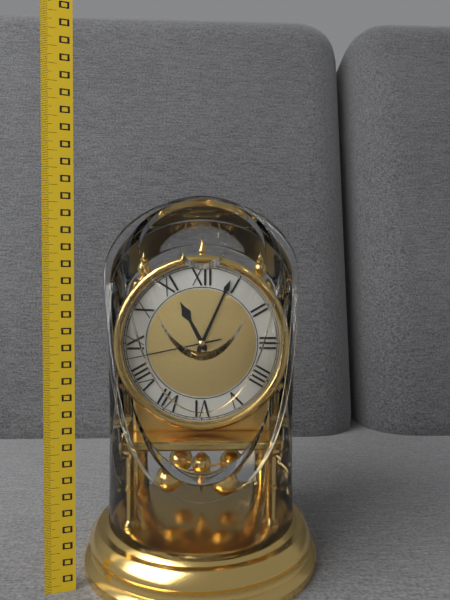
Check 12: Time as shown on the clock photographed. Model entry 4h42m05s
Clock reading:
11h04m43s
